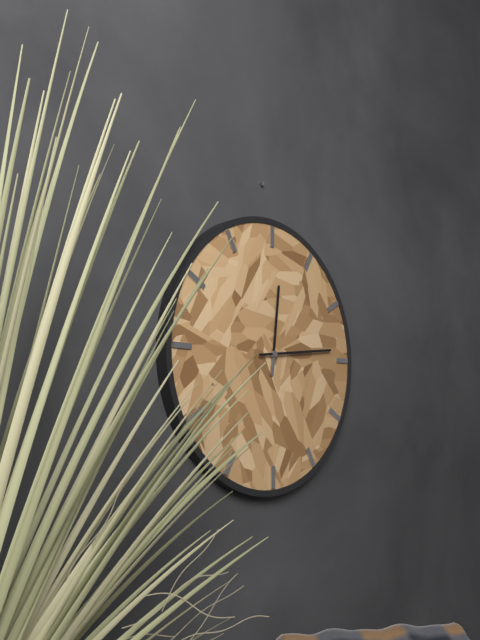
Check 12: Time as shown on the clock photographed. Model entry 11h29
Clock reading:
12h14
